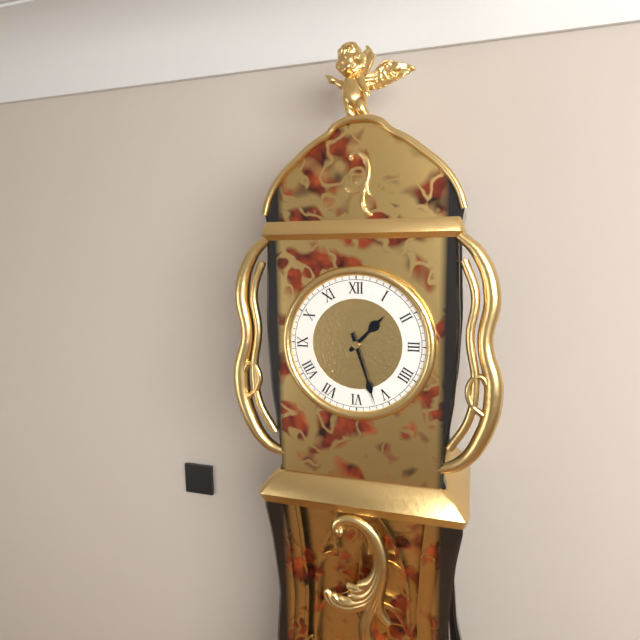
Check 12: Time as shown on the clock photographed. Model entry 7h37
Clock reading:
1h27
